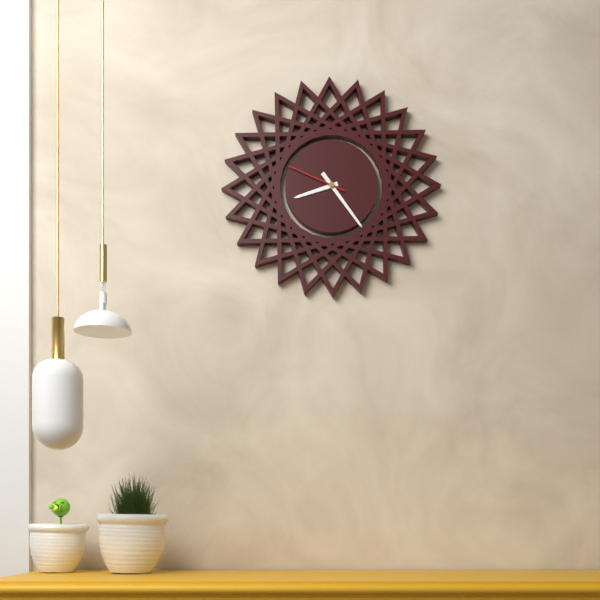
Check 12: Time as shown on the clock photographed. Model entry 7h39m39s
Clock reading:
8h24m49s
